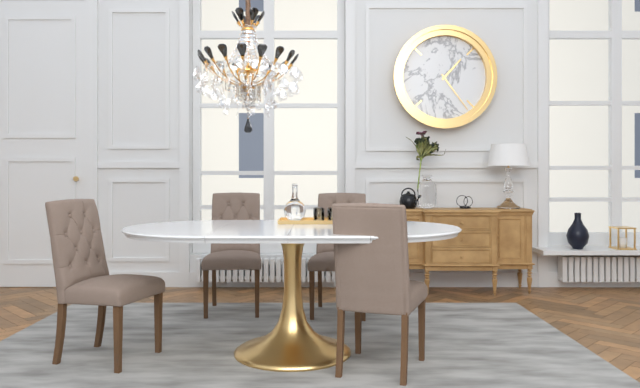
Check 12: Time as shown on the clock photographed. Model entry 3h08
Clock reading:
1h24
